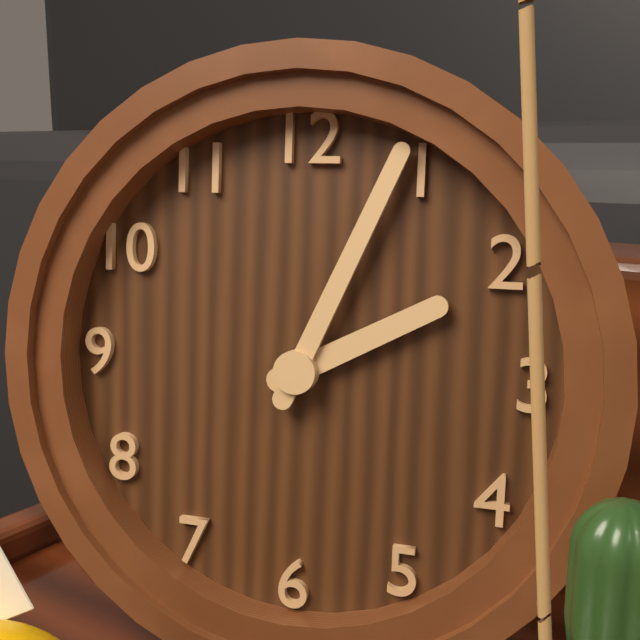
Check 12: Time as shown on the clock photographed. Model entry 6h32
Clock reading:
2h04
